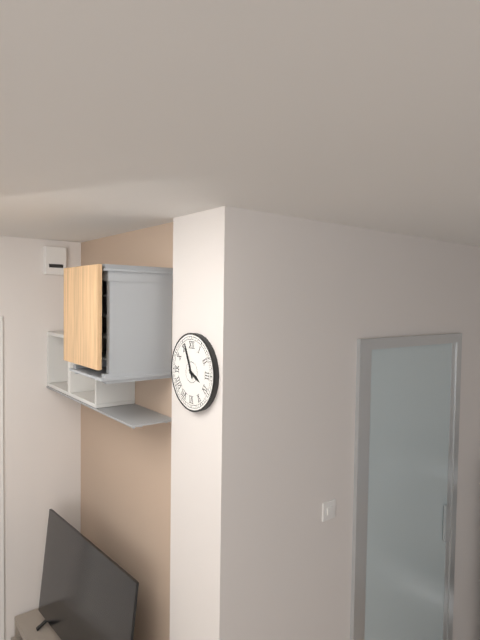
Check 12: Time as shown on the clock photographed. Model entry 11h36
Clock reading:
3h56
